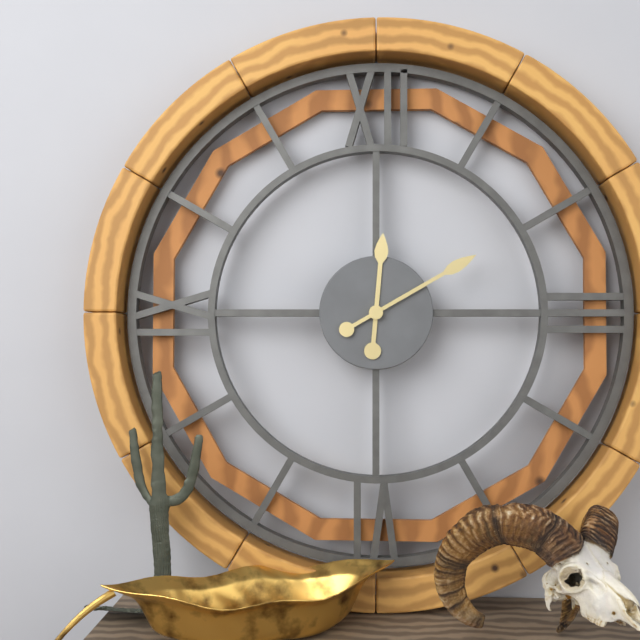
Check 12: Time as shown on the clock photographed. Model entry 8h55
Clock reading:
12h10
